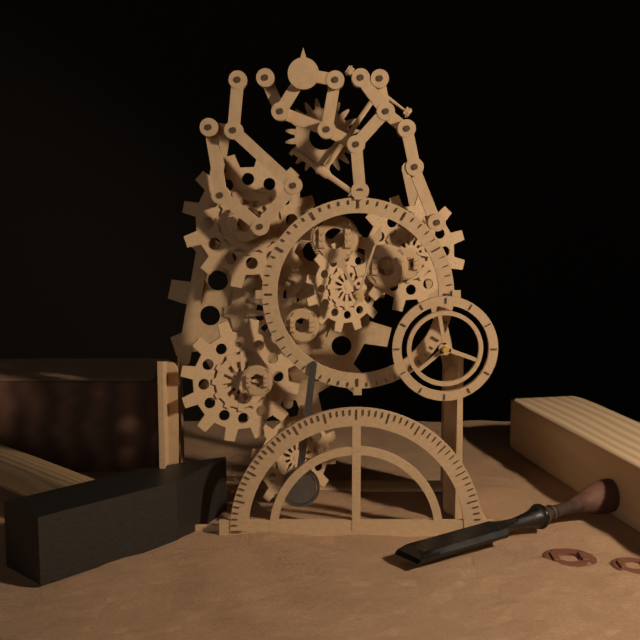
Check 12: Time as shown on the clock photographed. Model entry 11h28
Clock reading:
11h03
